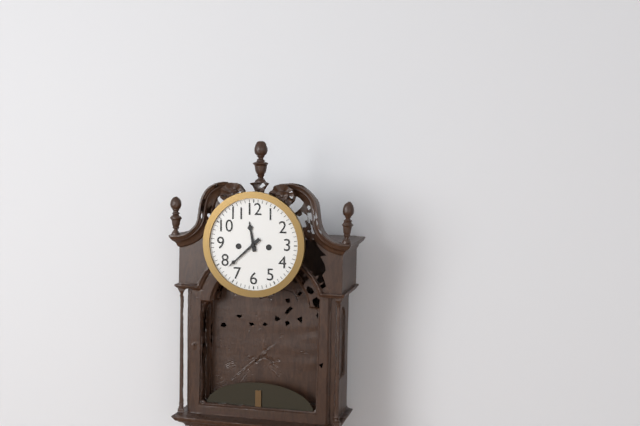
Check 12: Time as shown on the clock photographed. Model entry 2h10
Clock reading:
11h38
